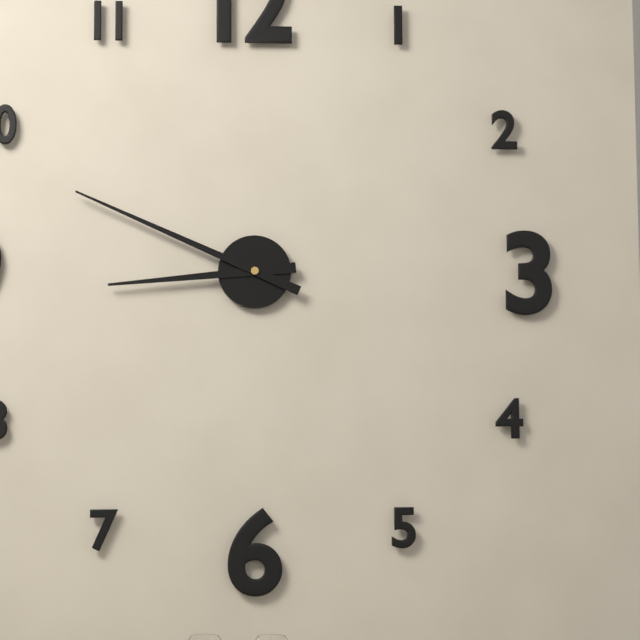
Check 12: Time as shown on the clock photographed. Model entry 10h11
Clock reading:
8h49
